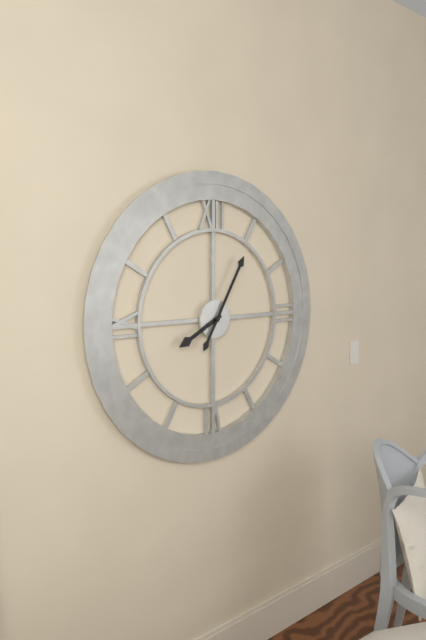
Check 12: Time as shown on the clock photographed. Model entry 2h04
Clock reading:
8h05
